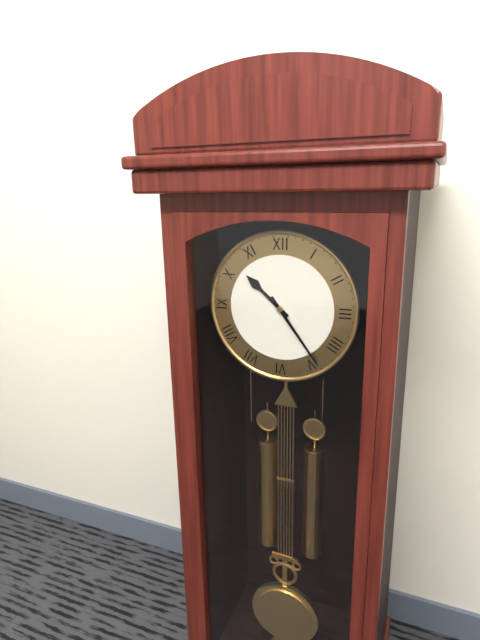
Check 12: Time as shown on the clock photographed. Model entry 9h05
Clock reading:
10h24
